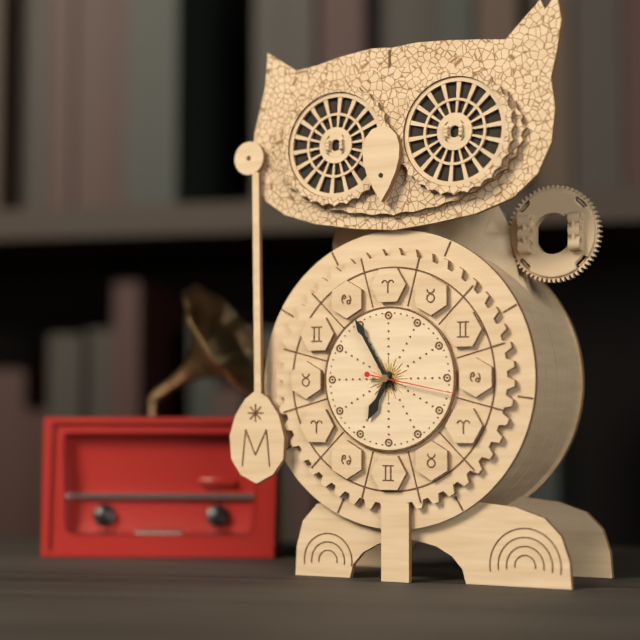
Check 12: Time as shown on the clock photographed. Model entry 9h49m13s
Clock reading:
6h55m17s
